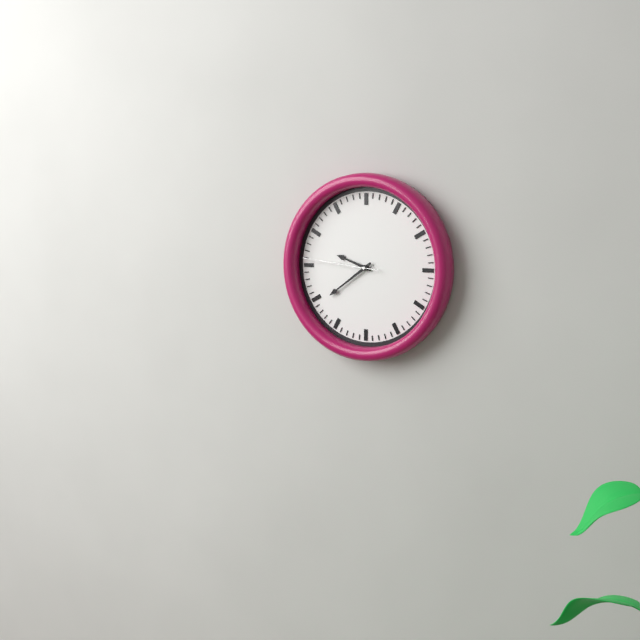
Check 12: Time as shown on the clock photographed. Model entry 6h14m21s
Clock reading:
9h39m46s
